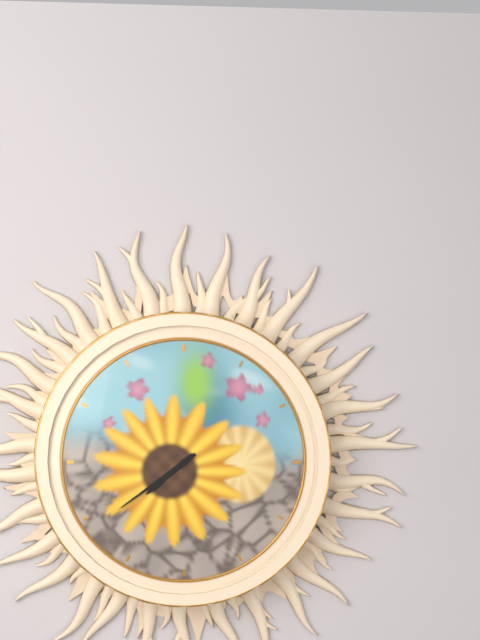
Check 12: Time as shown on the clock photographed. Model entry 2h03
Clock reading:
7h39
